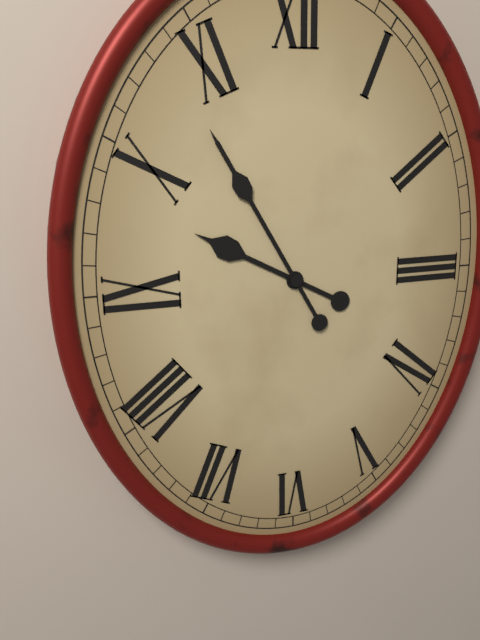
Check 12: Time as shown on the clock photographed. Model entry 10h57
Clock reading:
9h55
